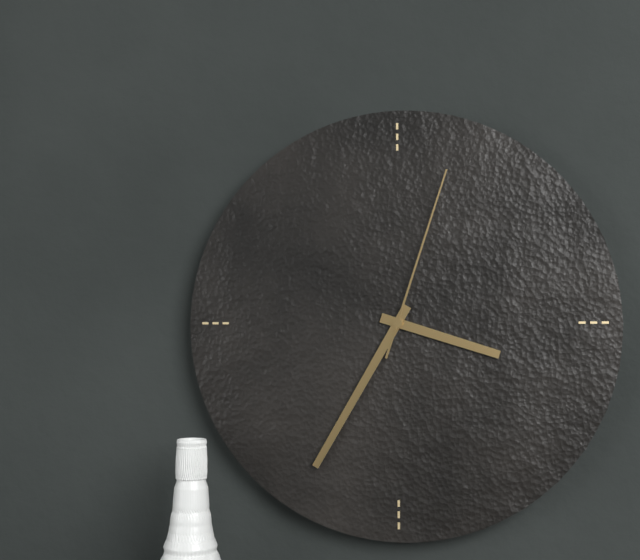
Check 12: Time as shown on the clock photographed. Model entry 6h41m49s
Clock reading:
3h35m03s
